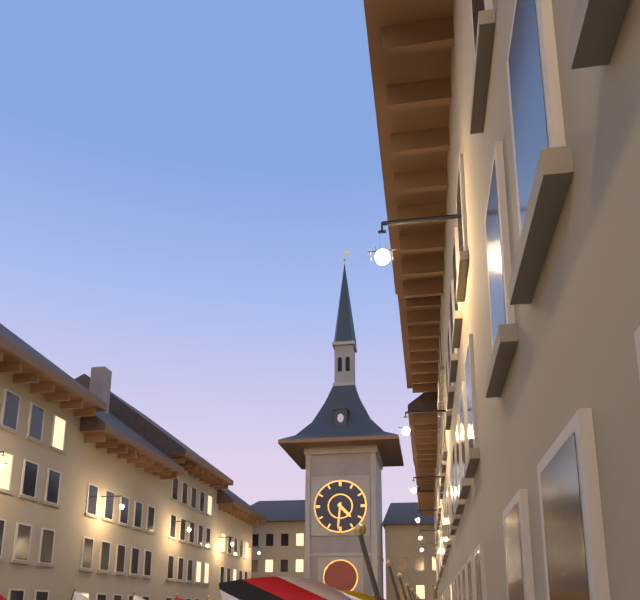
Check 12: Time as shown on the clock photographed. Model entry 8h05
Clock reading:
4h31
